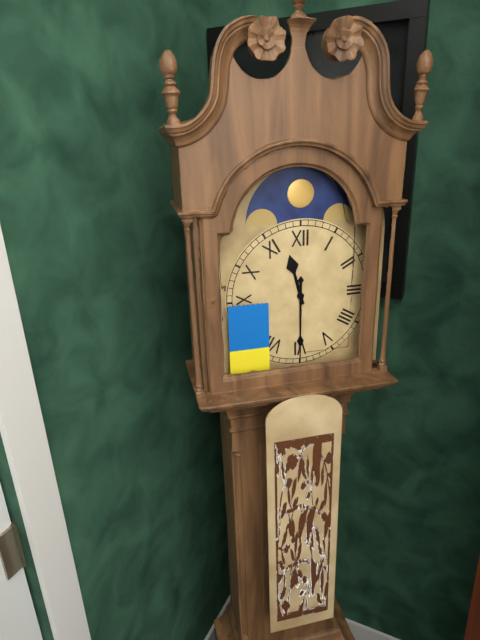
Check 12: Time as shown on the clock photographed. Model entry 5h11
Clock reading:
11h30
